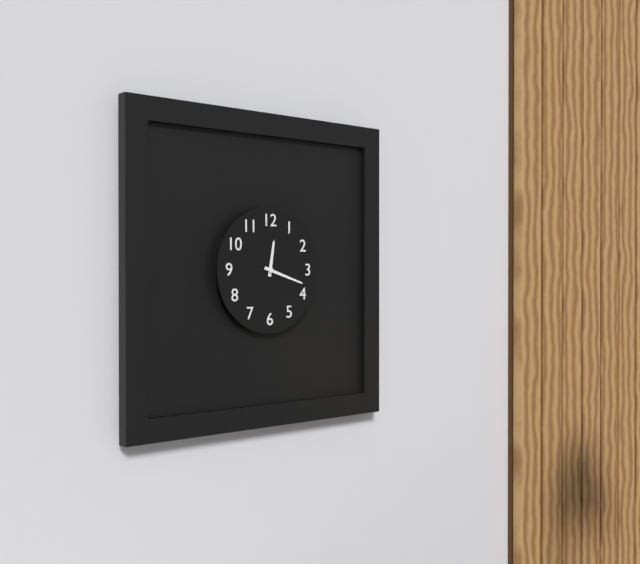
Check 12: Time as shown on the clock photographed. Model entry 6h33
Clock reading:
12h18
